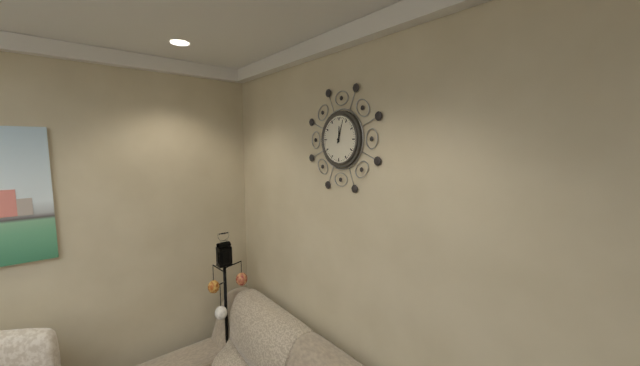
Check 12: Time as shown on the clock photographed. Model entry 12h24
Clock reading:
12h03
